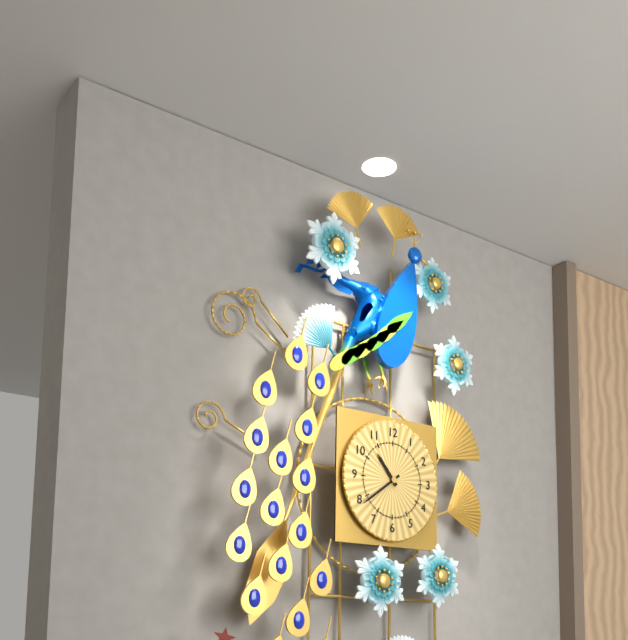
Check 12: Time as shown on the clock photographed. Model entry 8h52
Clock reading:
10h39
